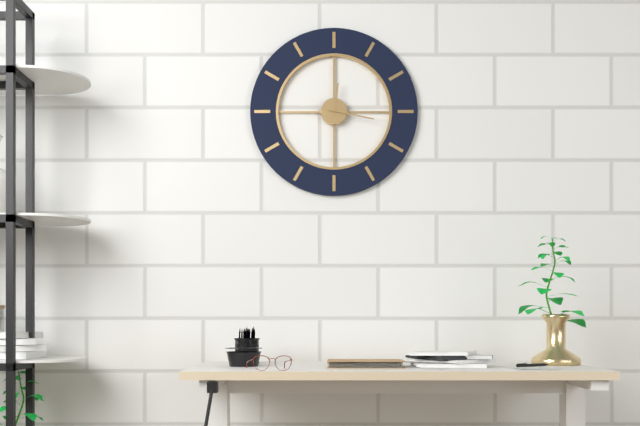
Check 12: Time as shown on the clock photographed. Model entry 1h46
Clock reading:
12h17
